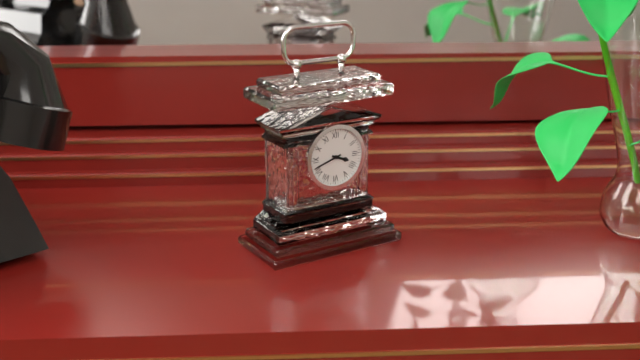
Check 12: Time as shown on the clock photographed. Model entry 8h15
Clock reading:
3h42
